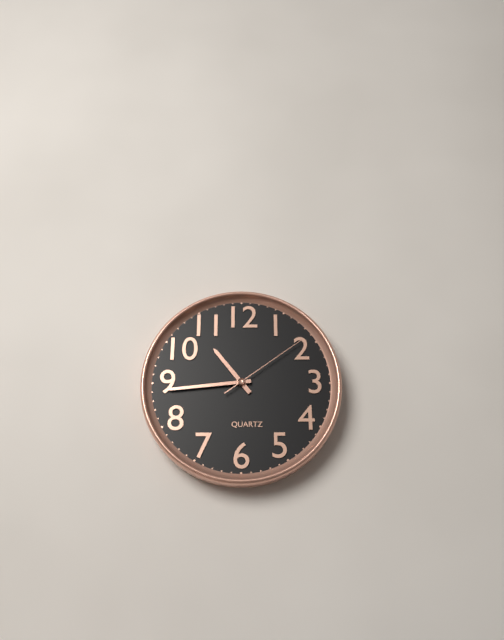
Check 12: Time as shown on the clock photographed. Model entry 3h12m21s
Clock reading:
10h44m09s
